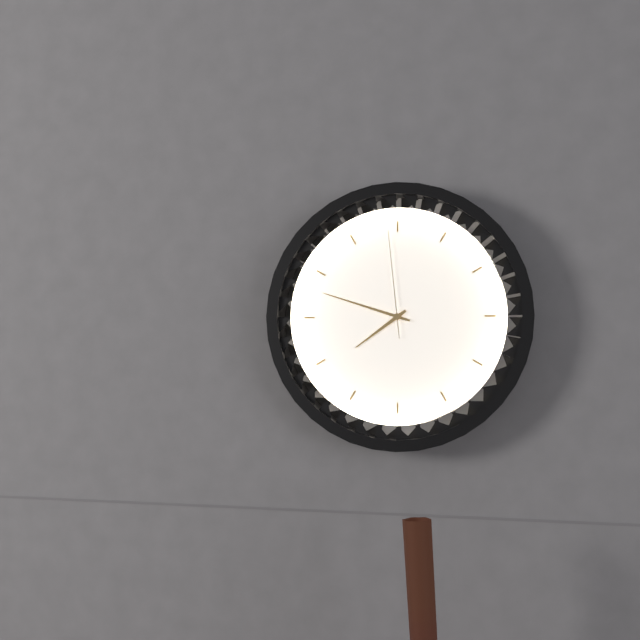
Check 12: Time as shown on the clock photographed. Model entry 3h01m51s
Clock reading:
7h48m59s
